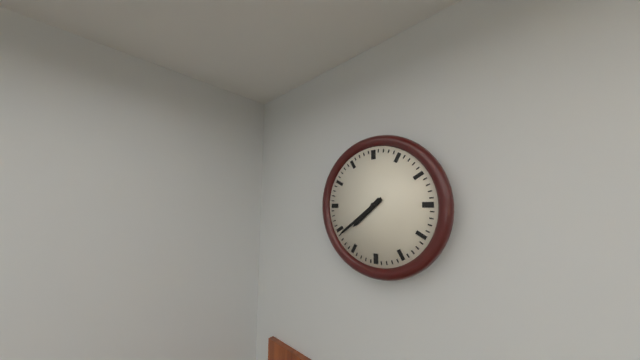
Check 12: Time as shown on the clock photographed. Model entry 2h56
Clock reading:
7h39
